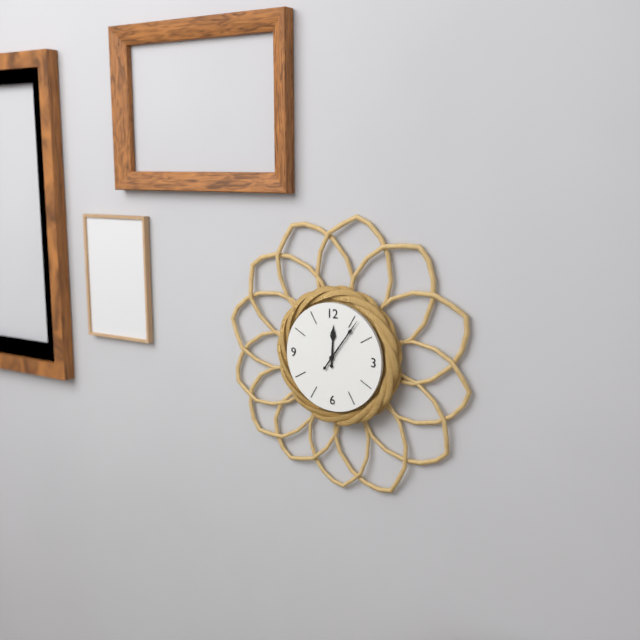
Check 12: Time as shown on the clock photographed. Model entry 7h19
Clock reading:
12h06
